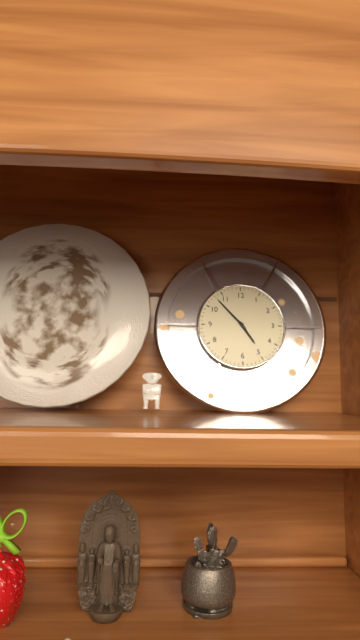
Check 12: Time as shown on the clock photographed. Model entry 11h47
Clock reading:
4h53
